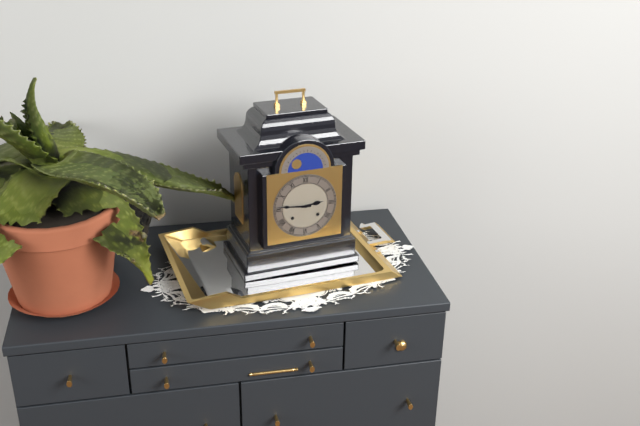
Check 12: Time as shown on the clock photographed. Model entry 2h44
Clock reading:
2h46
